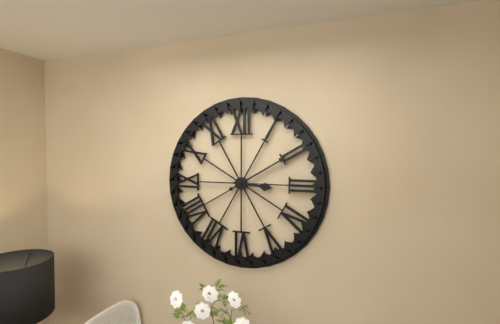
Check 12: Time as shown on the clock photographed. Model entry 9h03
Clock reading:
3h10
